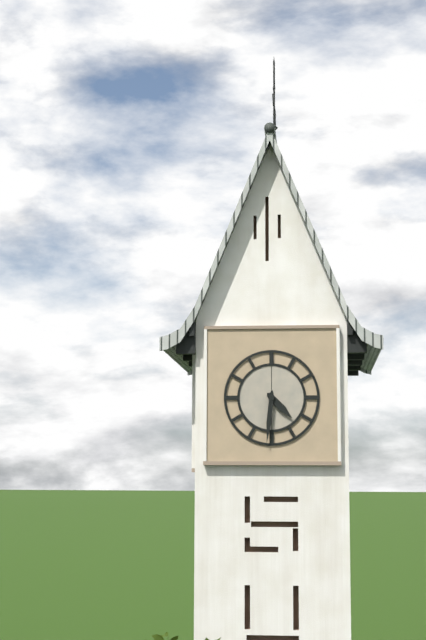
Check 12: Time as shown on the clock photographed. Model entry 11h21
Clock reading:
4h31
